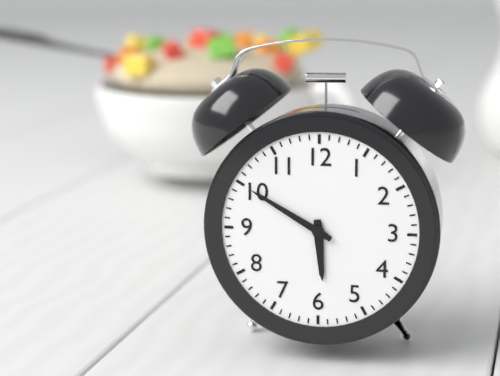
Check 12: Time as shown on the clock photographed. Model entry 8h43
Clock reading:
5h50
